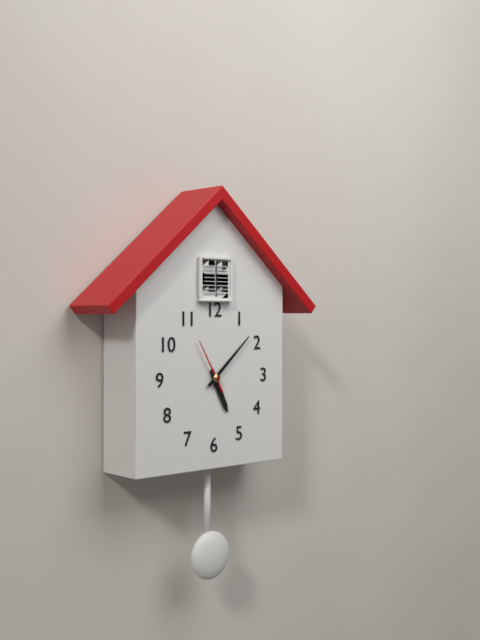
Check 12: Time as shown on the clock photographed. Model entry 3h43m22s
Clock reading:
5h08m55s
